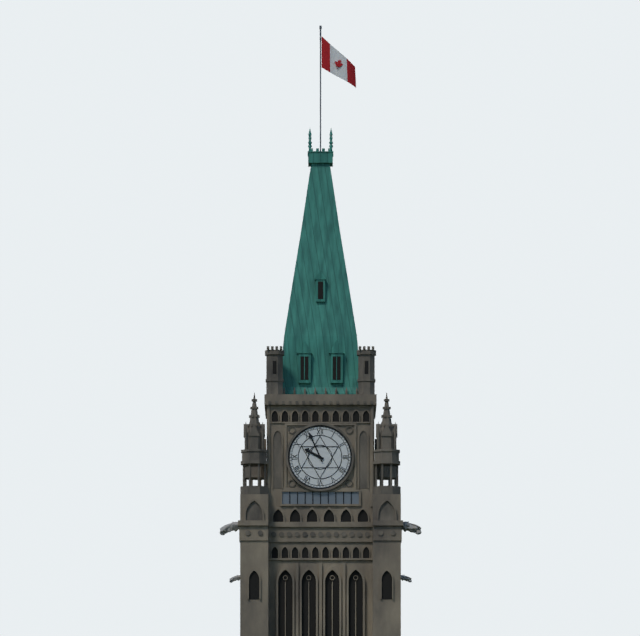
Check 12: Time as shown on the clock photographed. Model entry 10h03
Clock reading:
9h56
